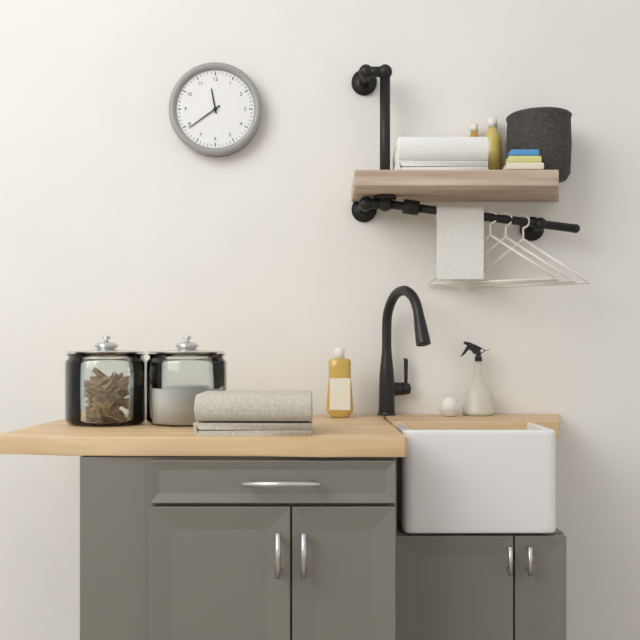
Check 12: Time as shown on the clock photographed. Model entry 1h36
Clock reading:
11h39
